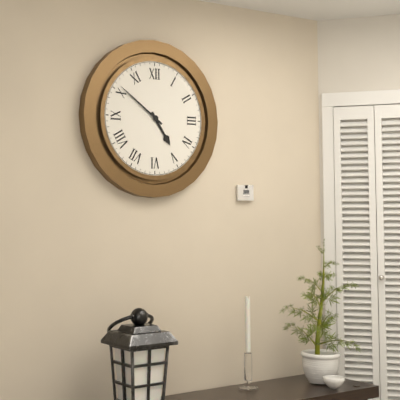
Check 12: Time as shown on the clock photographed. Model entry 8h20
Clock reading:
4h51
